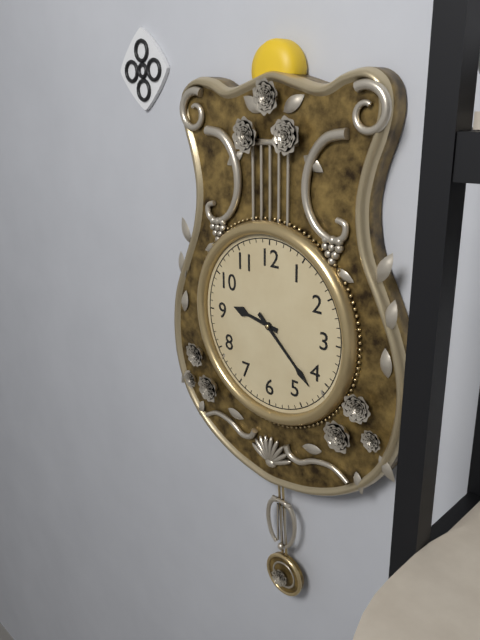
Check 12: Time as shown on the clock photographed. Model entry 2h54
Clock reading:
9h22
